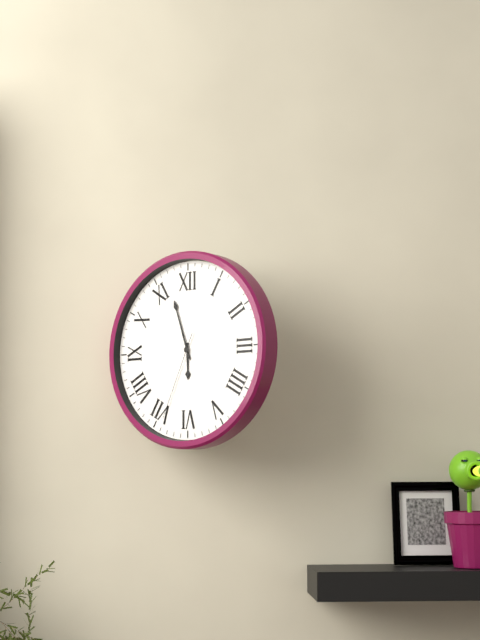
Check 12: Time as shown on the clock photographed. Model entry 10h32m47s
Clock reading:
5h57m34s
